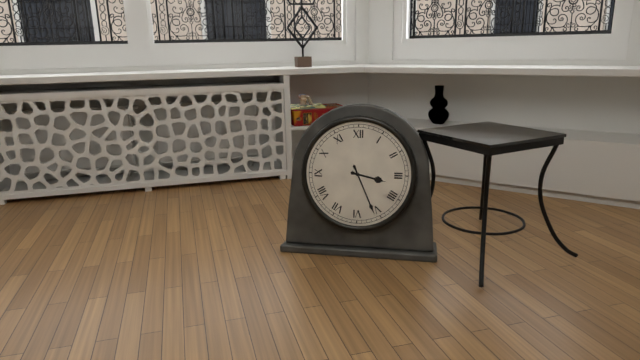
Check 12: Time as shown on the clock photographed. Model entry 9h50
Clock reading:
3h26
